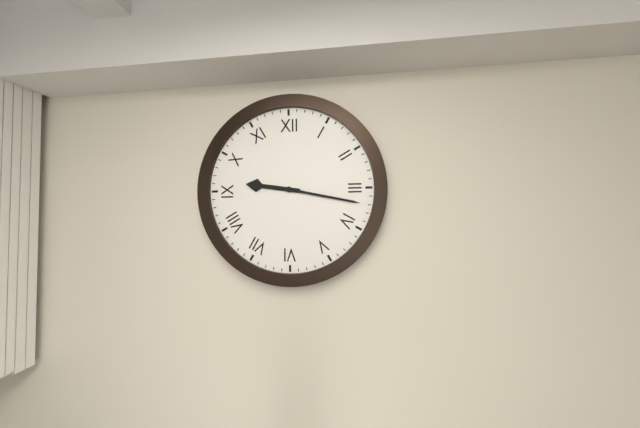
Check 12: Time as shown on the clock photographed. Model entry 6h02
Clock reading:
9h17
